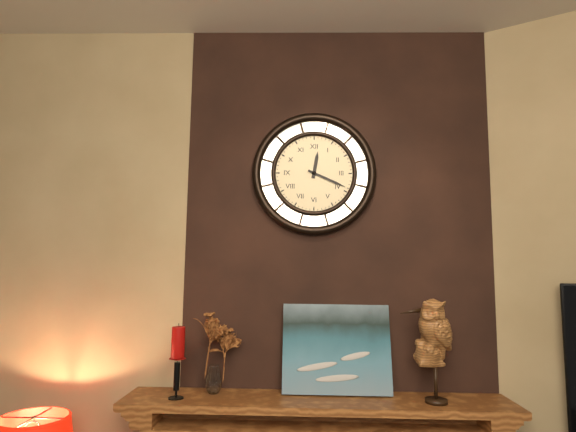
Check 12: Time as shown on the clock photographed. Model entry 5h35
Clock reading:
12h19
